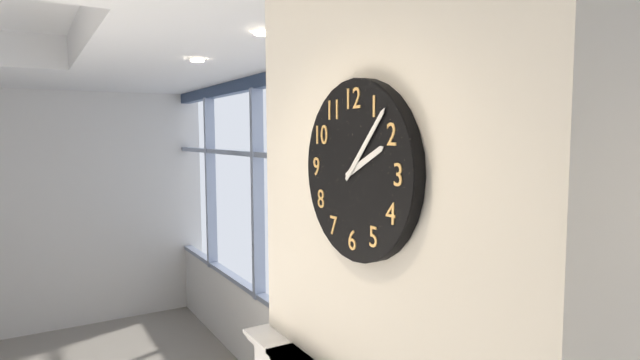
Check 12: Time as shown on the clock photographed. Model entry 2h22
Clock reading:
2h07
